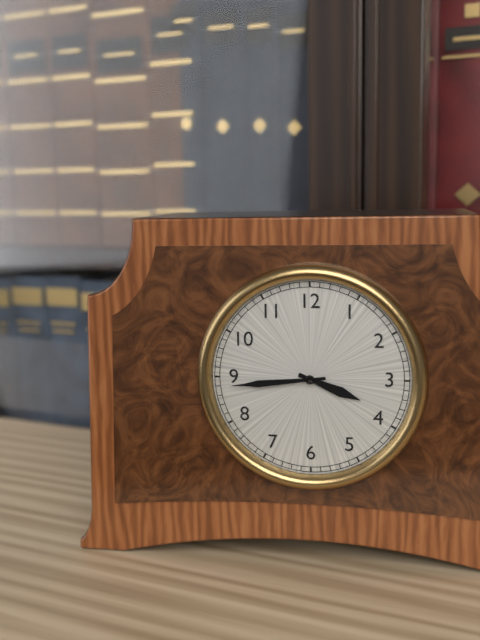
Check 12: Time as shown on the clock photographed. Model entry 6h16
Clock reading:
3h44
